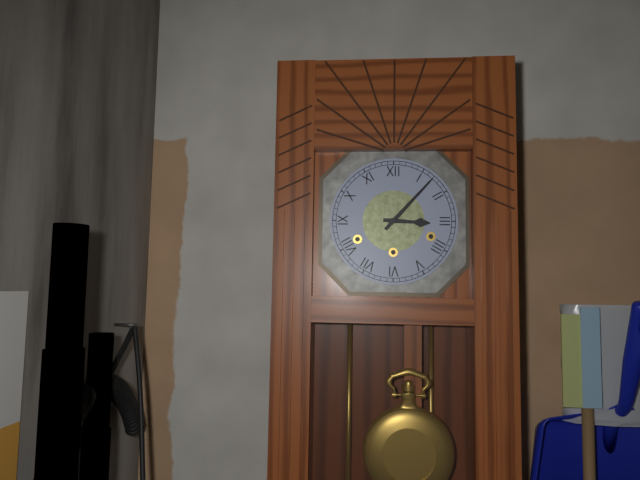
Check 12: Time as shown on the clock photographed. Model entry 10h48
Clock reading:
3h07
